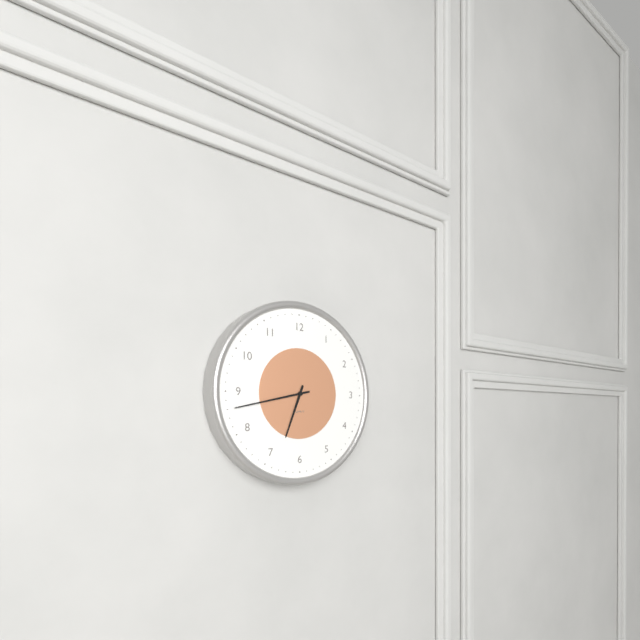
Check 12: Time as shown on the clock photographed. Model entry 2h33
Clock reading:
6h43
